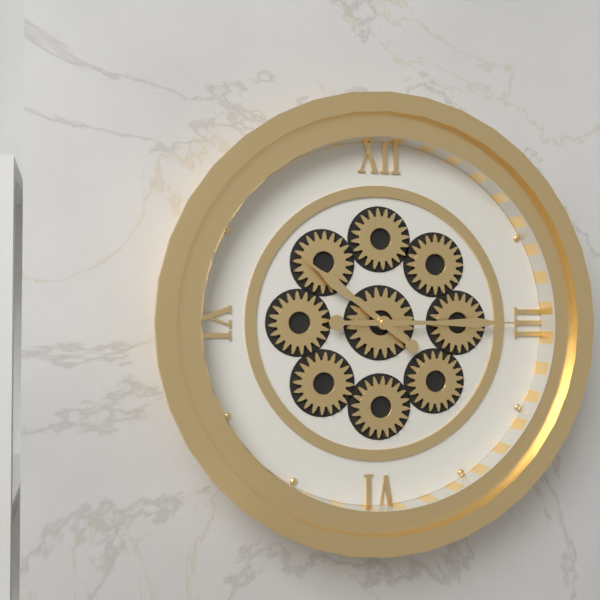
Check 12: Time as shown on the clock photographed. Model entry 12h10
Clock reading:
10h15
